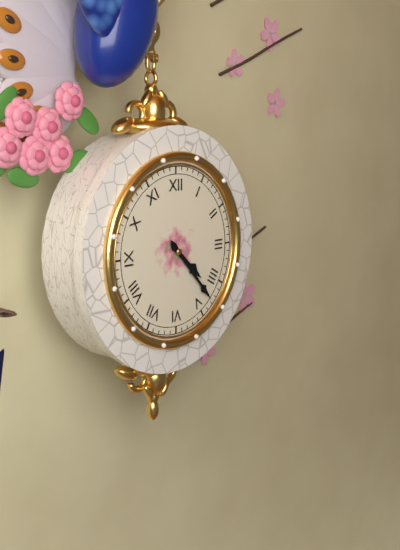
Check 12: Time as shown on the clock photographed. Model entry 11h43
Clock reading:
4h23
